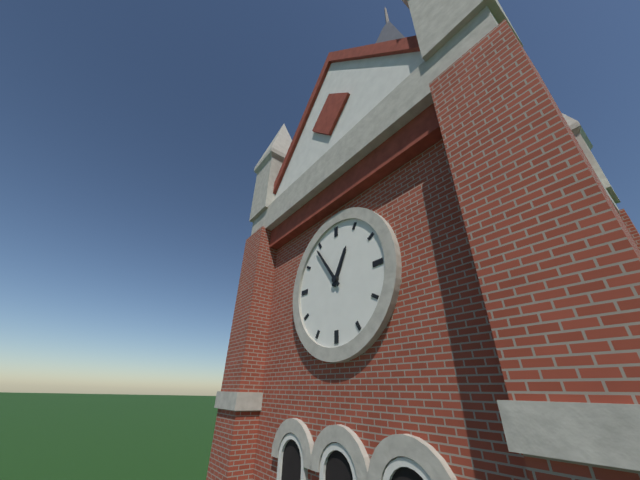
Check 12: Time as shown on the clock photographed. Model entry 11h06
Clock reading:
12h54
